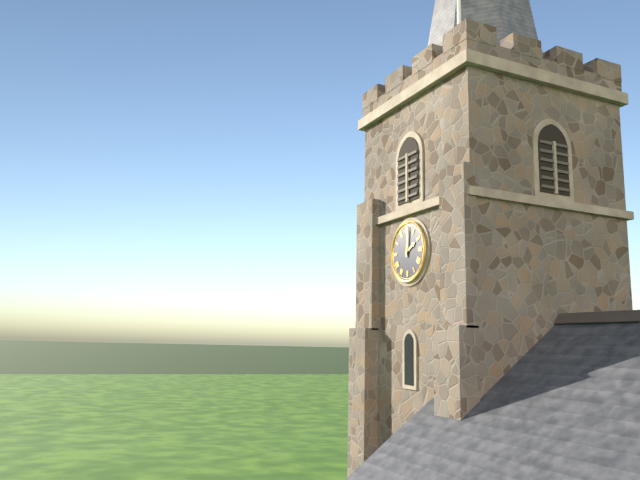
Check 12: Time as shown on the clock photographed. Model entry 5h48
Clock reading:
2h01
